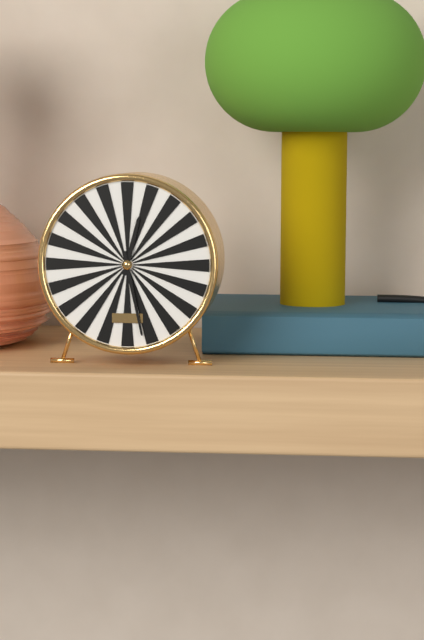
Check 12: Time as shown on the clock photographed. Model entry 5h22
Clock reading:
12h28
